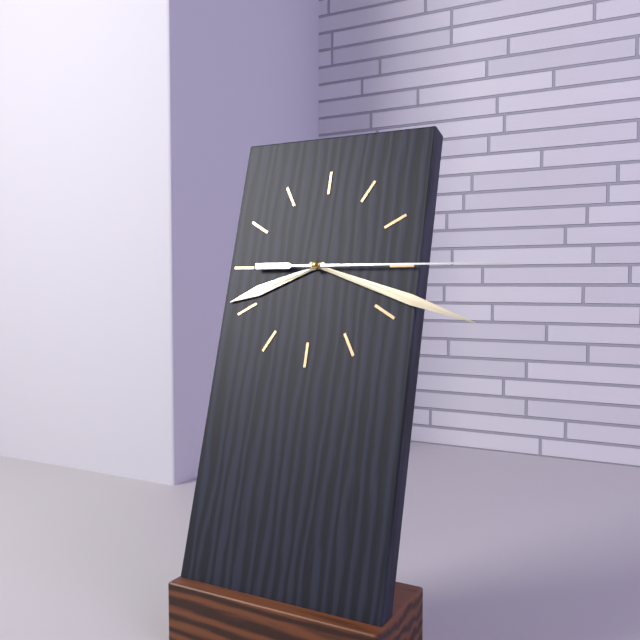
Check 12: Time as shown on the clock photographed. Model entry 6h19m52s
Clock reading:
8h18m15s
